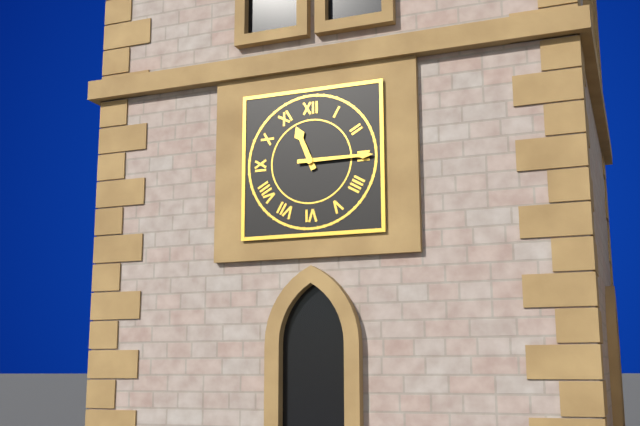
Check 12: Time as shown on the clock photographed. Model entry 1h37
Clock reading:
11h15
